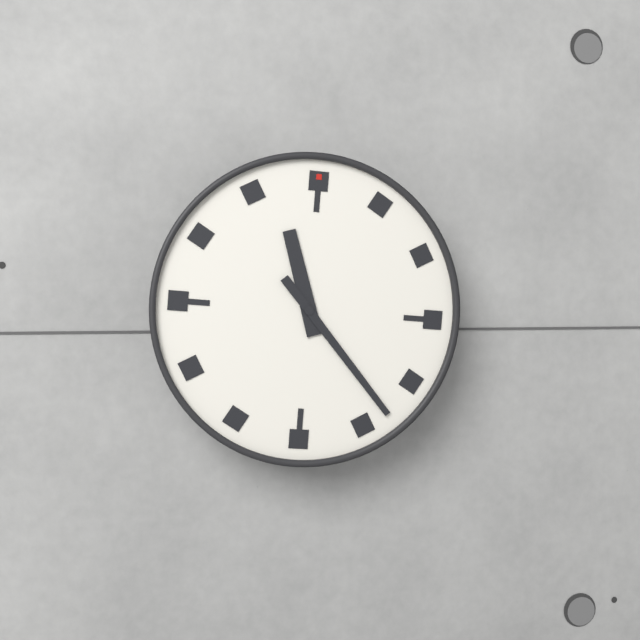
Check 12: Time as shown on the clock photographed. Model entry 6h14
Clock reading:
11h23
